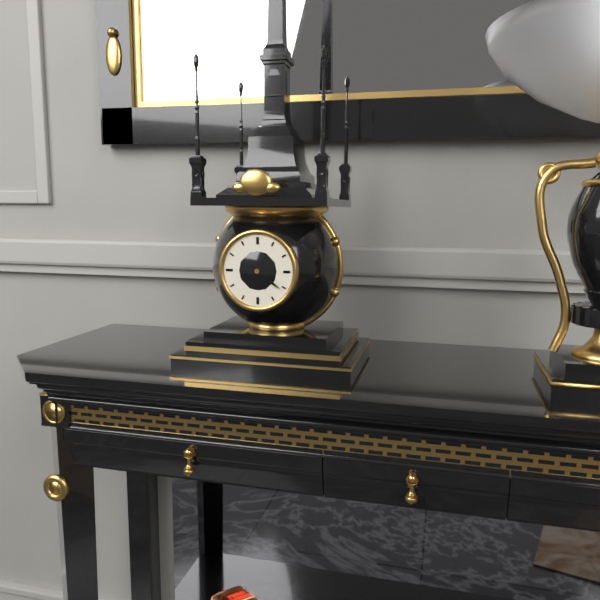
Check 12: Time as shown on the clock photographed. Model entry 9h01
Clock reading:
5h21
